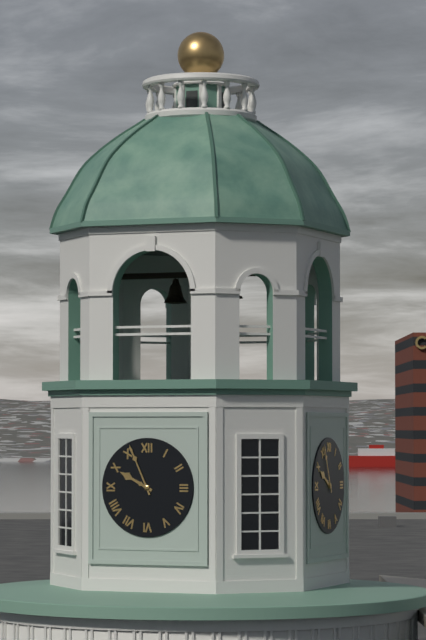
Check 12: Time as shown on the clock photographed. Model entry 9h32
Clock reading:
9h56
